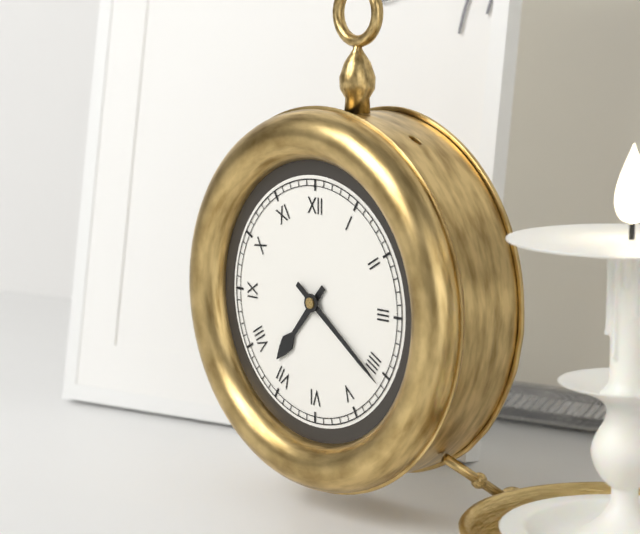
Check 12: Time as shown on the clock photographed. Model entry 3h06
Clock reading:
7h21
